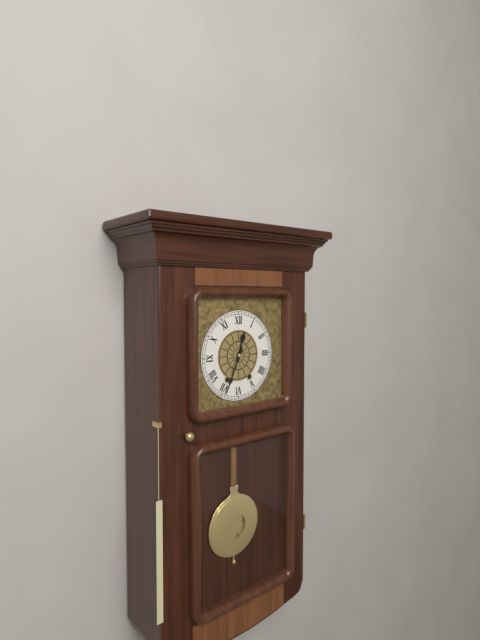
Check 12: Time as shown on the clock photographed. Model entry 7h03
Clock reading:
12h34
